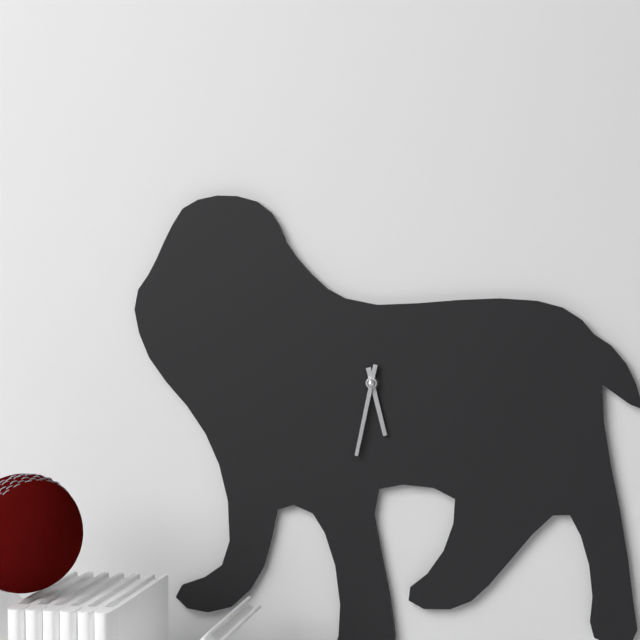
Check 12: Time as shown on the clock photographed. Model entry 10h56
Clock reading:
5h32
